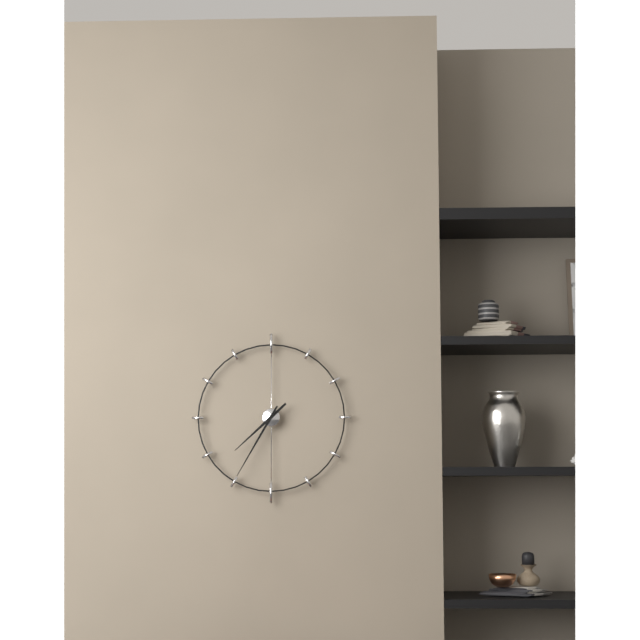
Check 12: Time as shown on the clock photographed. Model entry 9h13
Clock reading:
7h35
